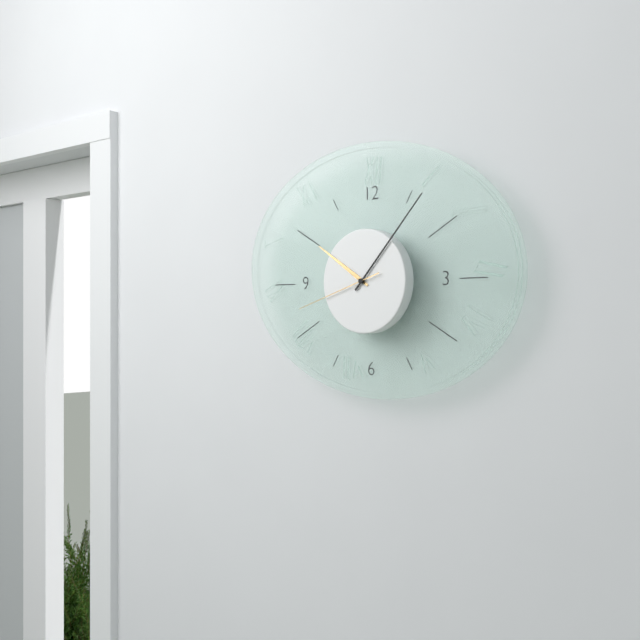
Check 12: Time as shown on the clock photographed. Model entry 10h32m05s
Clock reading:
10h07m42s
